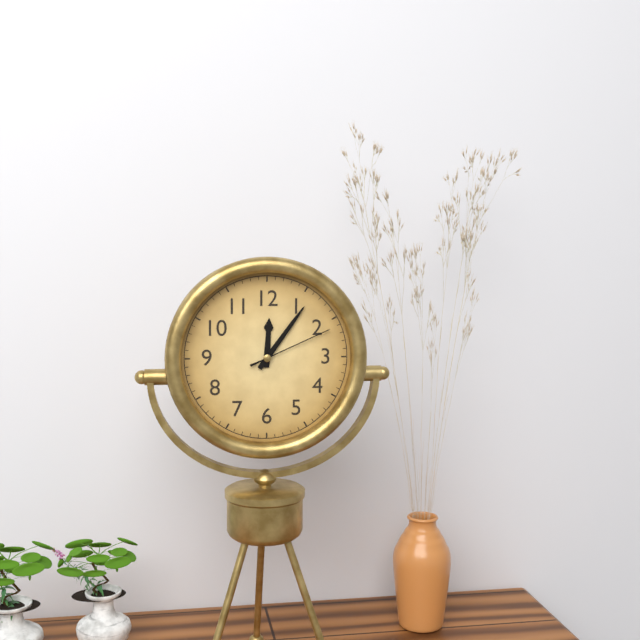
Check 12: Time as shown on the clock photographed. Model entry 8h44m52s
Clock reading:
12h06m11s
